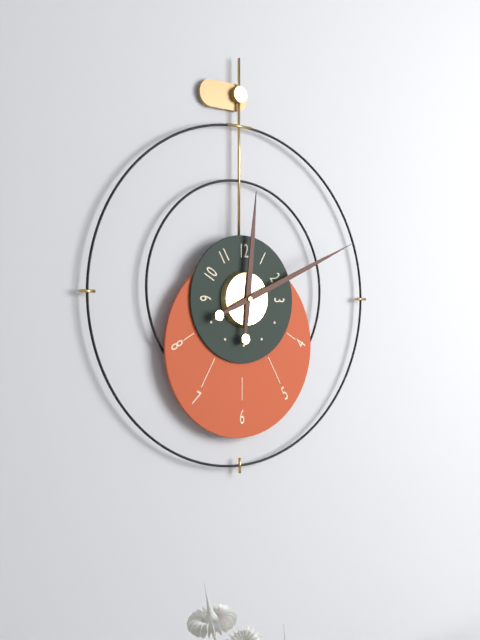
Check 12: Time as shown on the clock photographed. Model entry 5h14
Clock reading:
12h11
